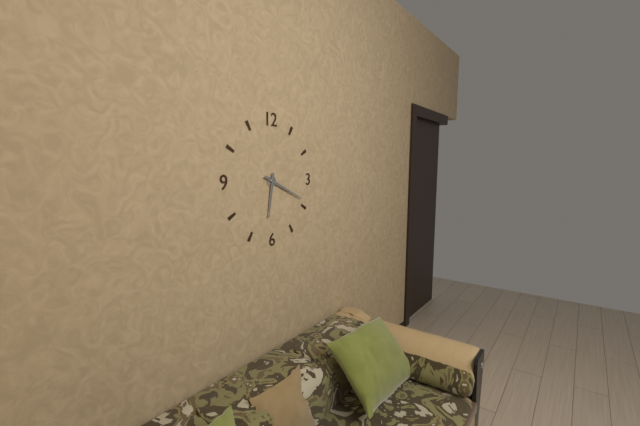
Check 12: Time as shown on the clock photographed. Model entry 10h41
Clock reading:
6h19
